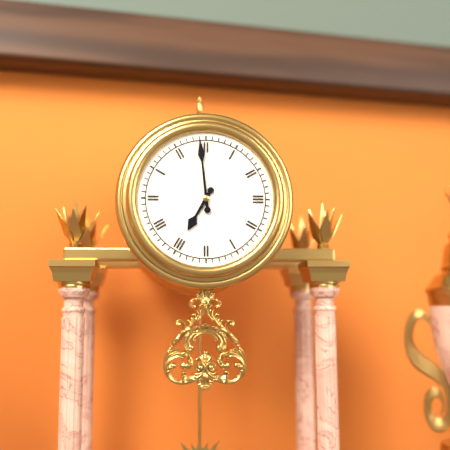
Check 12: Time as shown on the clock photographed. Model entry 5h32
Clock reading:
6h59
